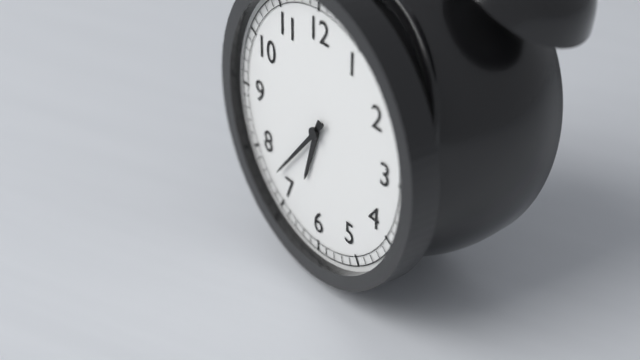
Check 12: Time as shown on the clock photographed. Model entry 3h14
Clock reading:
6h37
